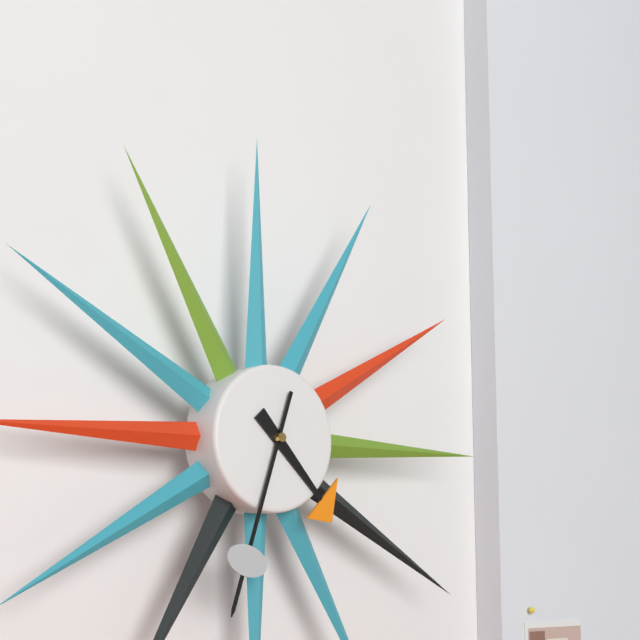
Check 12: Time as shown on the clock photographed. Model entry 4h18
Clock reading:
4h33
